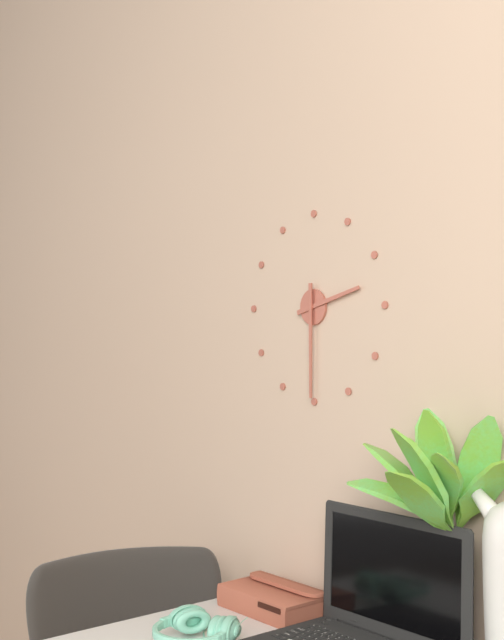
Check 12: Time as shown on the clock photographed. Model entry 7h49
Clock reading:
2h30
